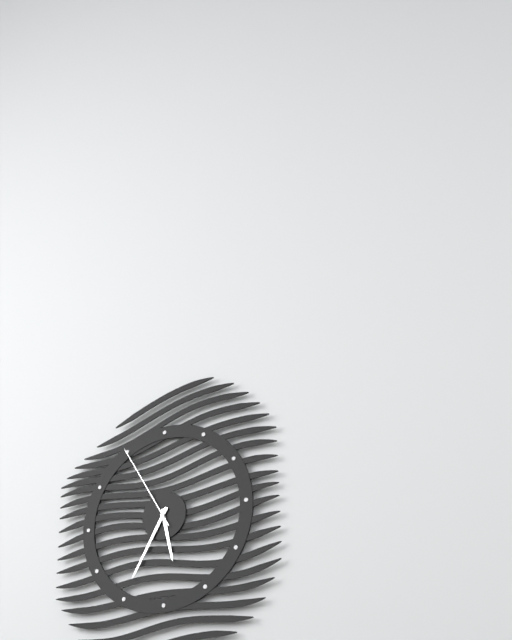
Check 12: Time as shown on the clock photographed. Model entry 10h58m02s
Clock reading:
5h35m55s
